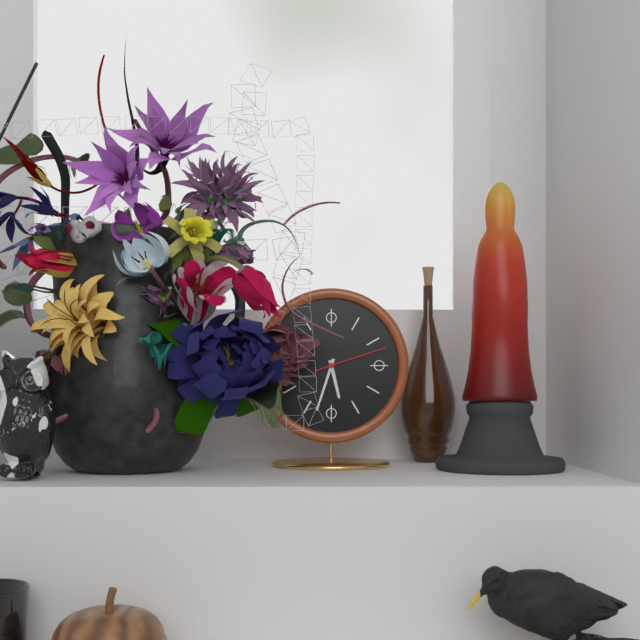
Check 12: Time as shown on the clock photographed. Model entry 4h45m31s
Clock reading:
5h33m12s
